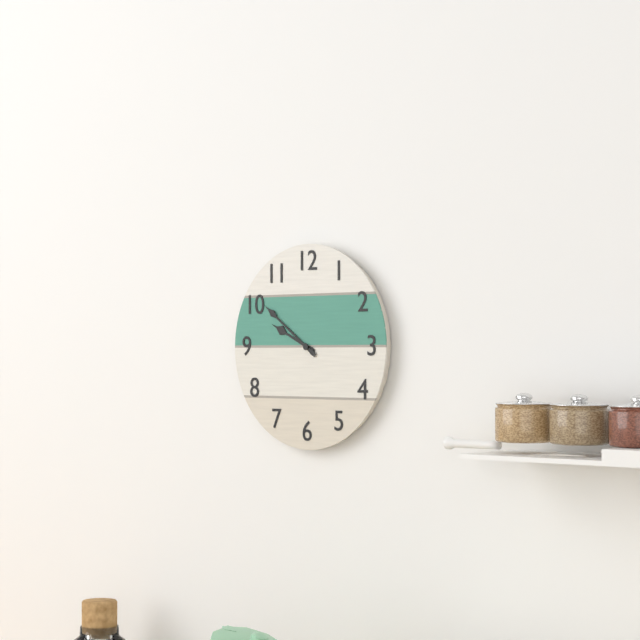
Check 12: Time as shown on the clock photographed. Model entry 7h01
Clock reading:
9h51
